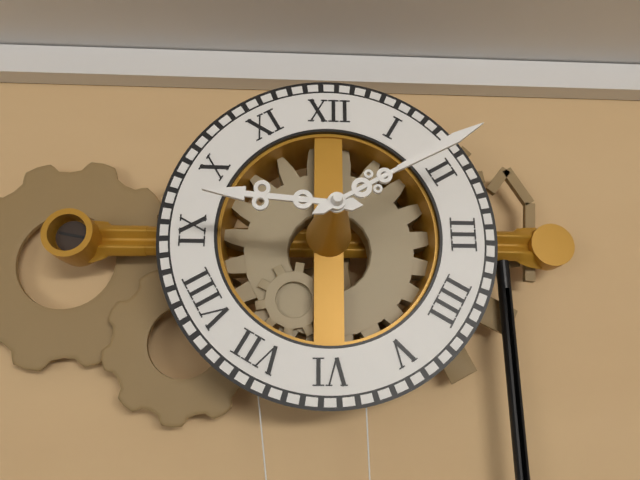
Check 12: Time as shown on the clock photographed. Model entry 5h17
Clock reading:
9h10
